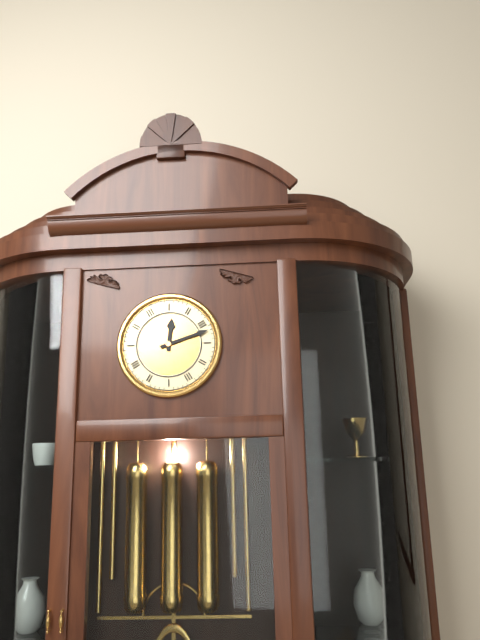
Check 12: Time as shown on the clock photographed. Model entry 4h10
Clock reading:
12h12
